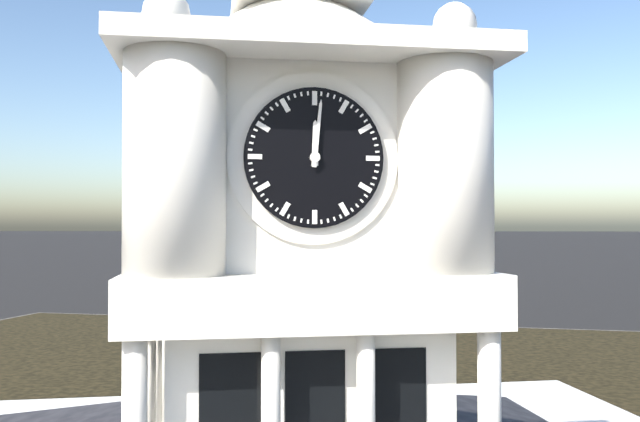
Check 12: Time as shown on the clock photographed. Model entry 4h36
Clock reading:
12h01
